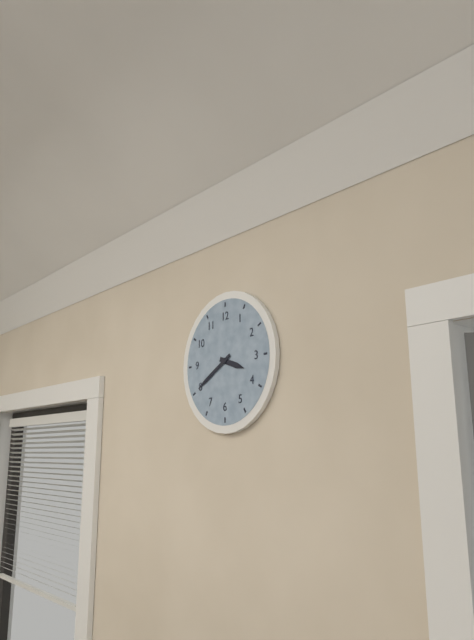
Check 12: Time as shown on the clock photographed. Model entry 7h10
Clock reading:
3h40
